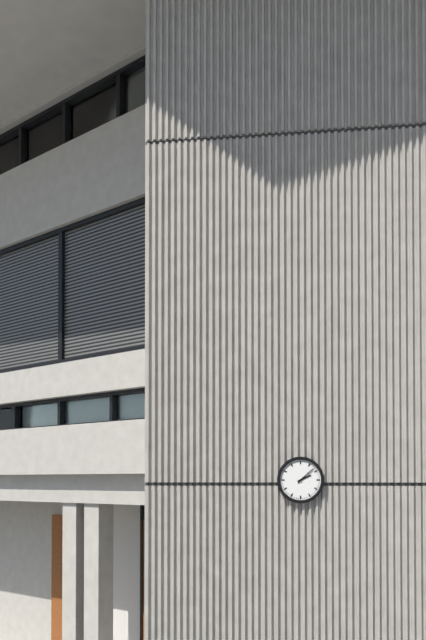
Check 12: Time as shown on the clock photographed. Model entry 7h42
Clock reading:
2h08
